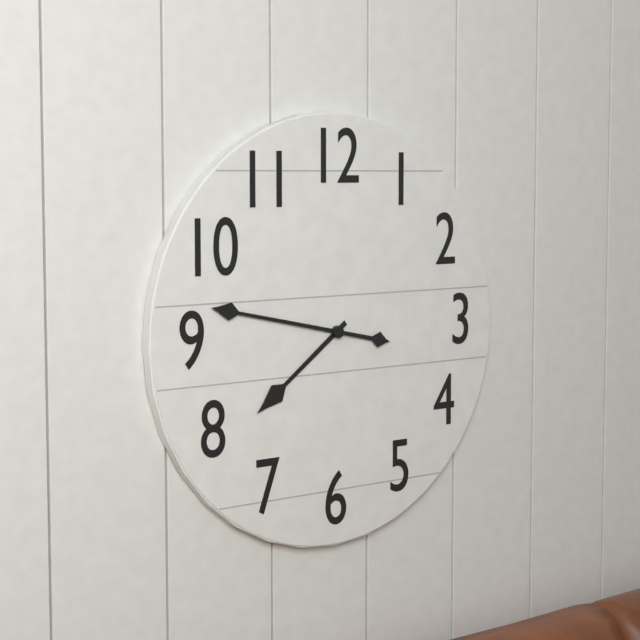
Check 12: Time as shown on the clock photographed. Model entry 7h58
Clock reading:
7h47
